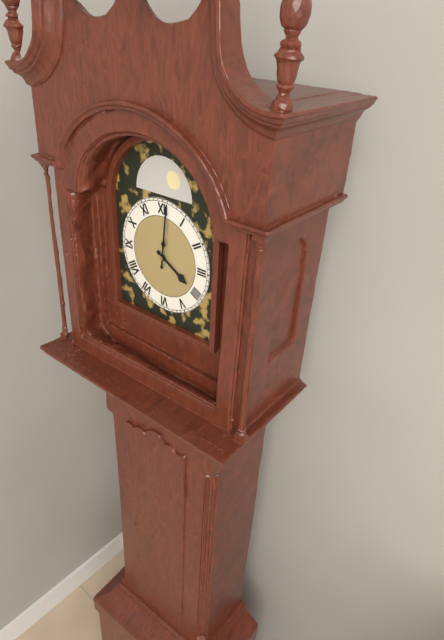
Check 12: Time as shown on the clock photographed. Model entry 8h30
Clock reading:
4h01
